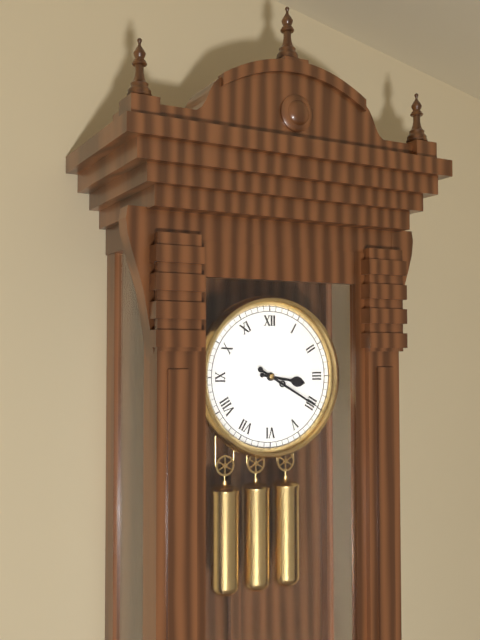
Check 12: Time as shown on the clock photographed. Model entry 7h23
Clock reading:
3h20
